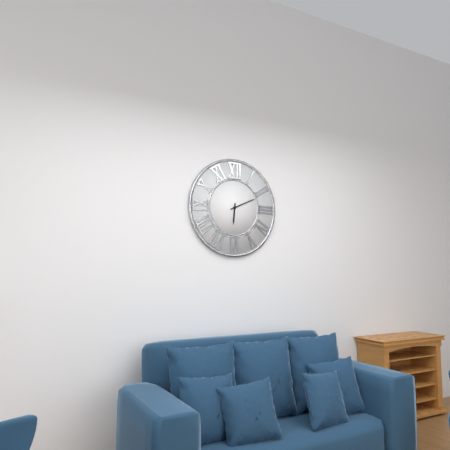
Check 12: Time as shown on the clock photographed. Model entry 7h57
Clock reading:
6h11
